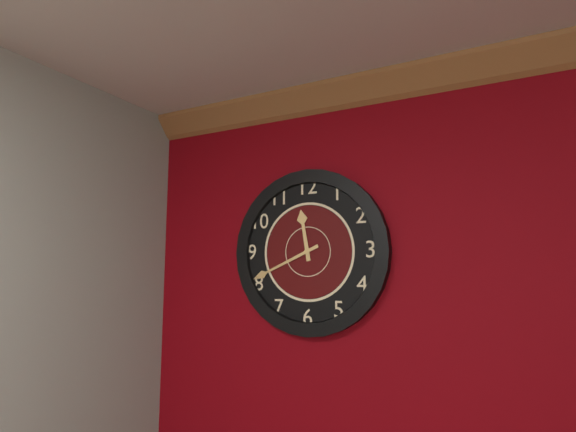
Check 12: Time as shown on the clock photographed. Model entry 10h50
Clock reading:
11h41
